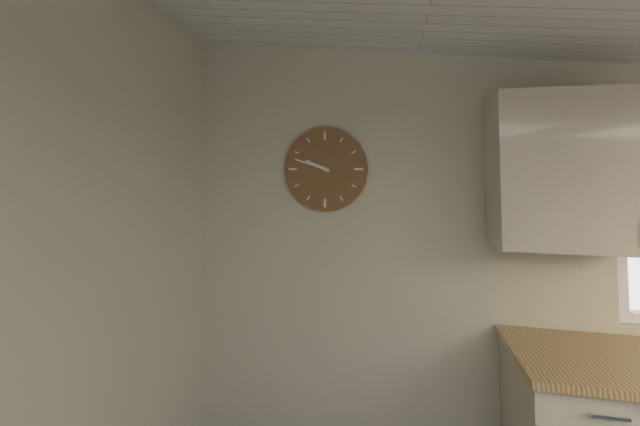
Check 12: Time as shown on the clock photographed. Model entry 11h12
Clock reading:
9h48
